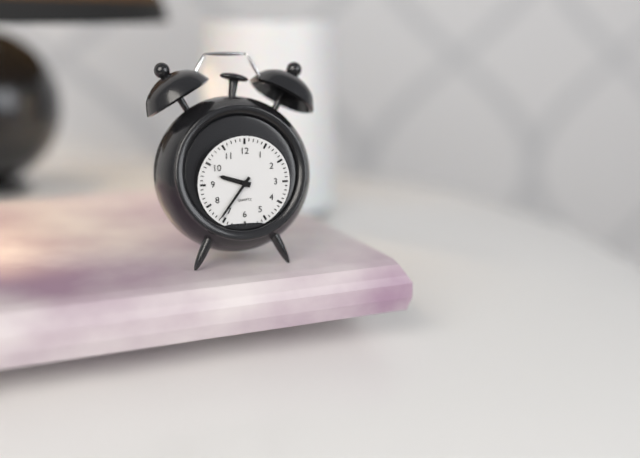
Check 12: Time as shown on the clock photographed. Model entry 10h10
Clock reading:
9h36
